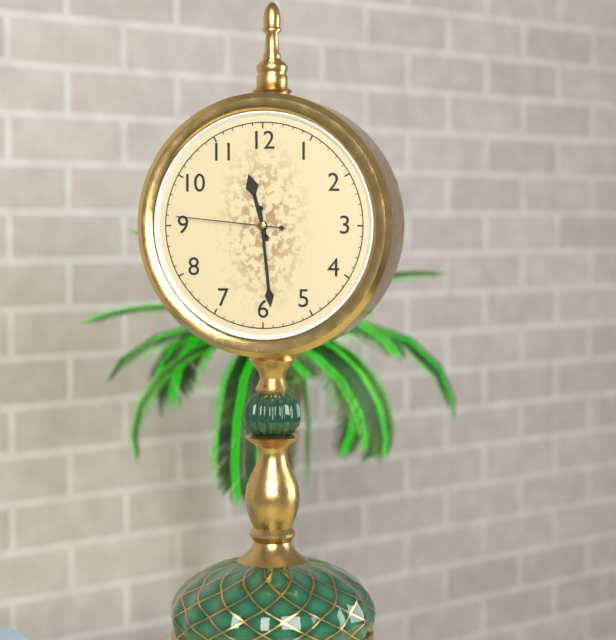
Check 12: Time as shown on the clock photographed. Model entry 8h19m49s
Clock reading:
11h29m46s
